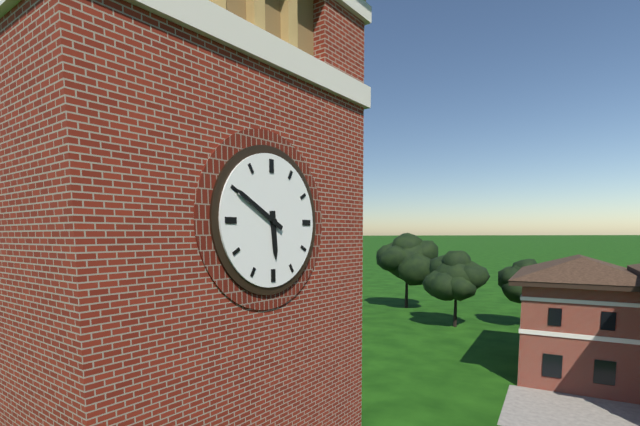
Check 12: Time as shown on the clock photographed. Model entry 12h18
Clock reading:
5h50
